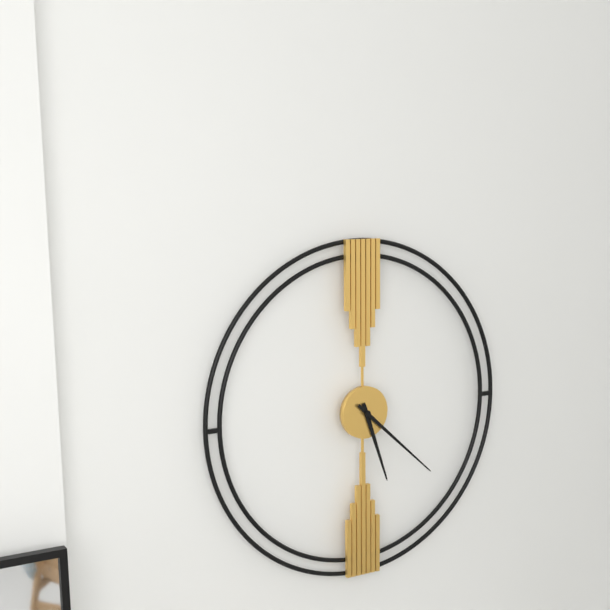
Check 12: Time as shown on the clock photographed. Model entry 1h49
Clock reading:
5h22
